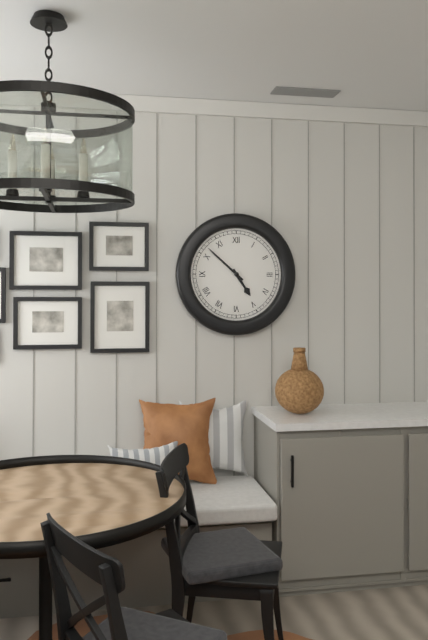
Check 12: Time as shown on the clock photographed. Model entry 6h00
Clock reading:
4h52
